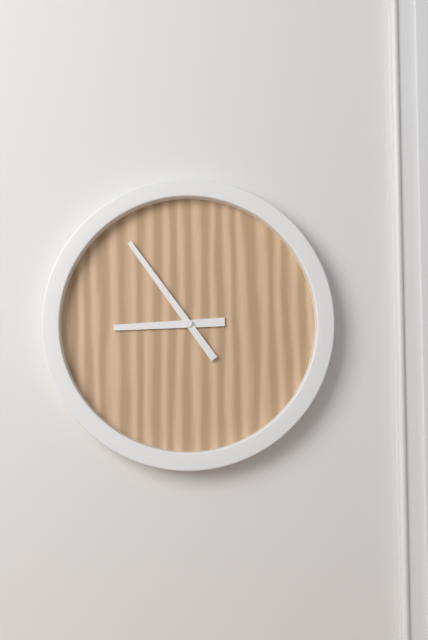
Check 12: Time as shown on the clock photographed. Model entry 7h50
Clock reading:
8h54
